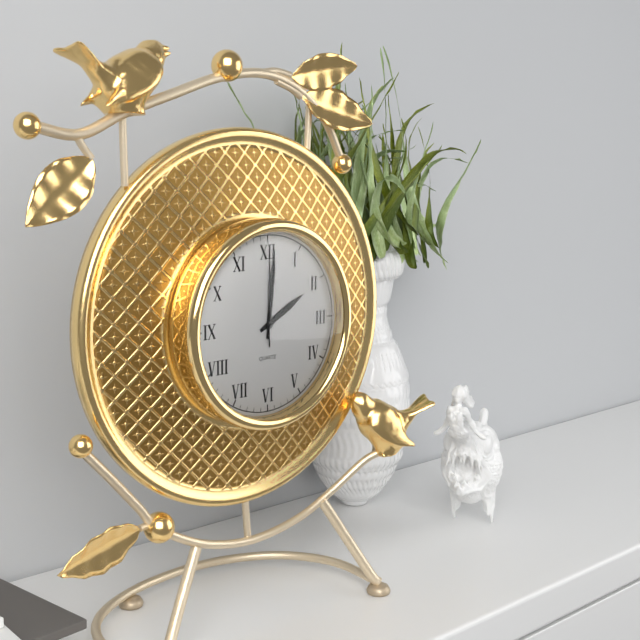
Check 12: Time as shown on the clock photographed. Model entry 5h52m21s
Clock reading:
2h01m00s
